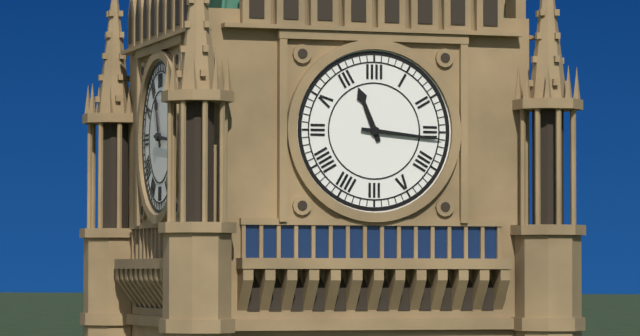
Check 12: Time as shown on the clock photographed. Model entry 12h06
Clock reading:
11h16
